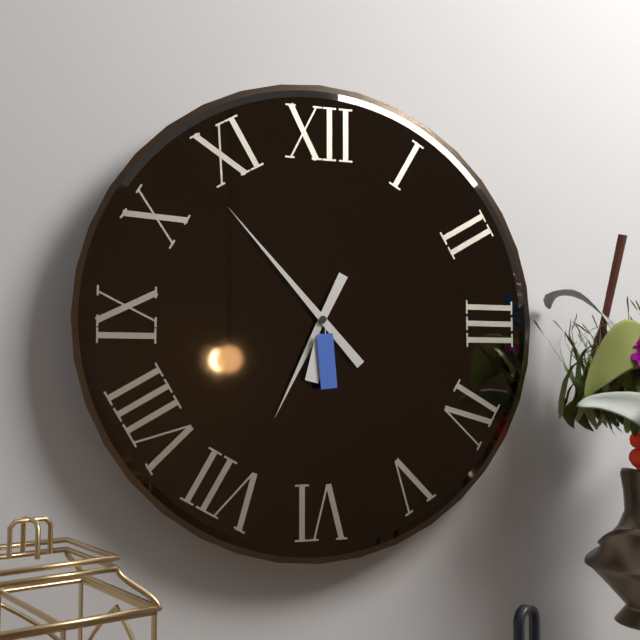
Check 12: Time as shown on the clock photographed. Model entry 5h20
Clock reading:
6h53
